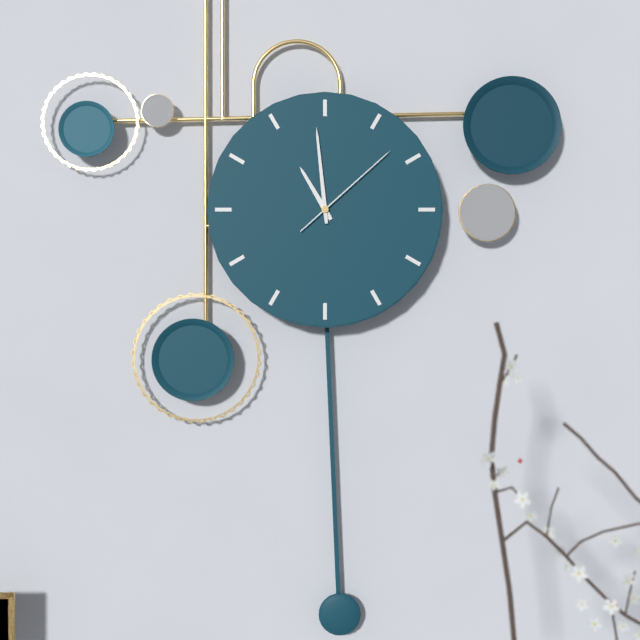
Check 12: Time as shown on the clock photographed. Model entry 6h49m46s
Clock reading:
10h59m08s
